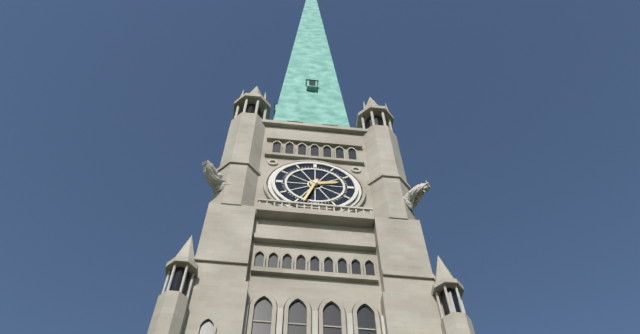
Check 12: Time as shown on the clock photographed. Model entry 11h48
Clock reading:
2h33
